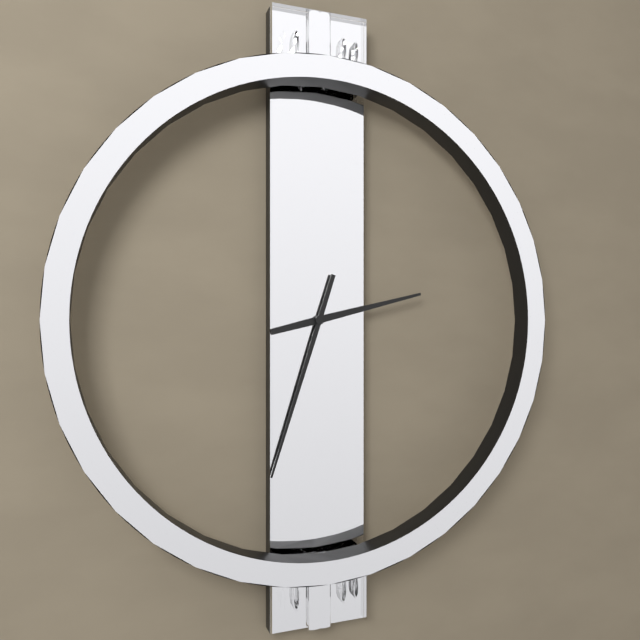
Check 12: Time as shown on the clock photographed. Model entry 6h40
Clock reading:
2h33
